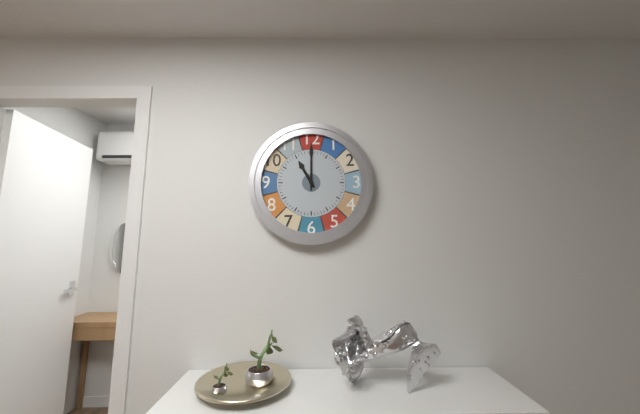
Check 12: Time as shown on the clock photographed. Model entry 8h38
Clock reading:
11h00
